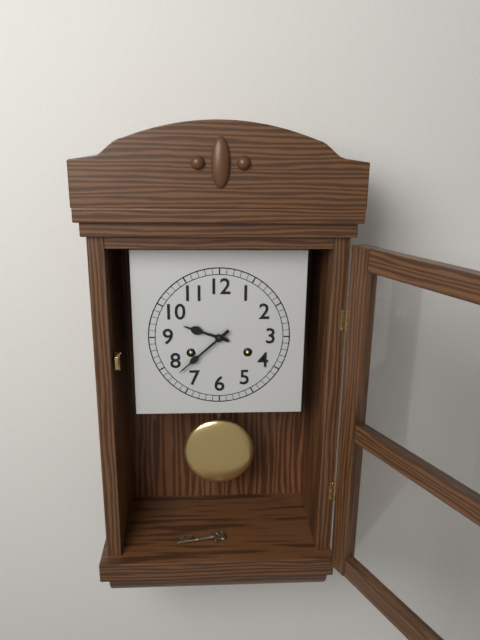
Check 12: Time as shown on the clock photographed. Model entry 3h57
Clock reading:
9h38
